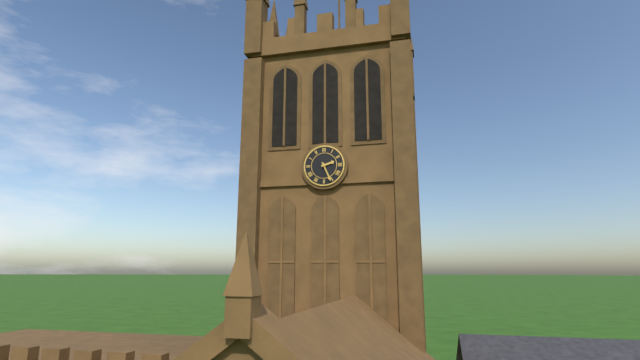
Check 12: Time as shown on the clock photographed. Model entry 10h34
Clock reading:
2h26
